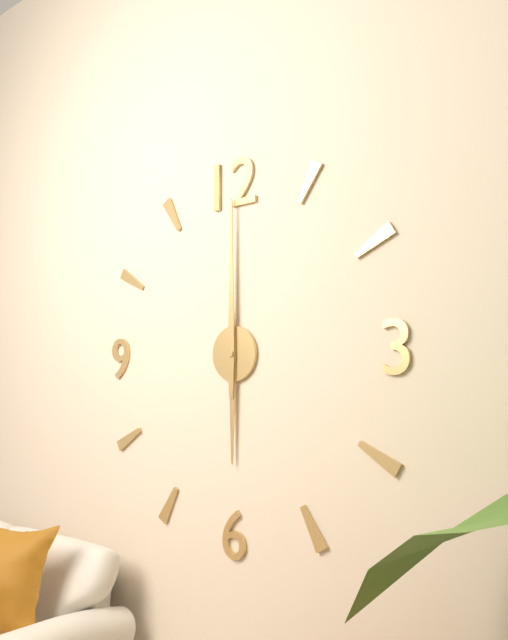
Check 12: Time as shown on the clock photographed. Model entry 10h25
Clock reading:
6h00
